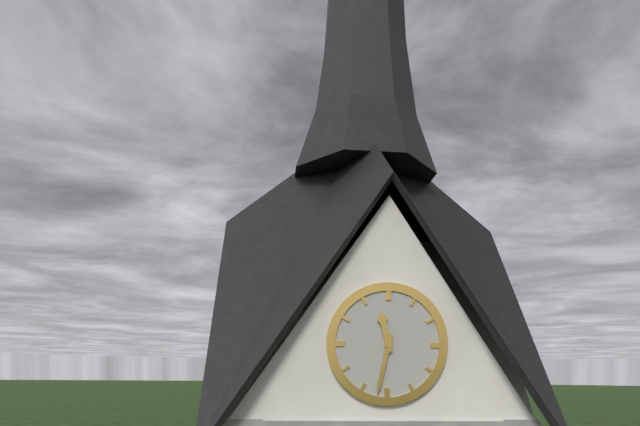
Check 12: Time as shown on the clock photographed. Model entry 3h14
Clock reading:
11h32
